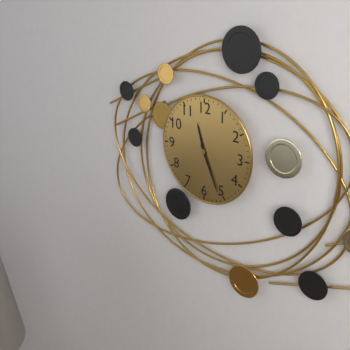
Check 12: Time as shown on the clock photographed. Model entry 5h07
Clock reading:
11h26
